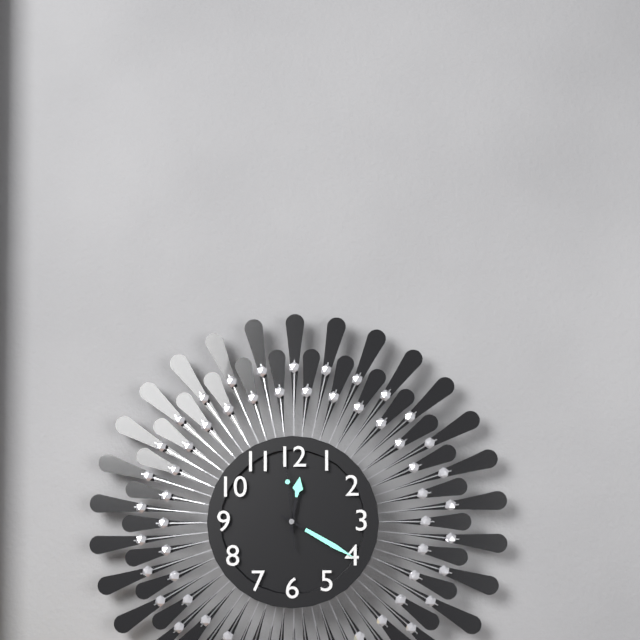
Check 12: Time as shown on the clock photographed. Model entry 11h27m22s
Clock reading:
12h20m59s
